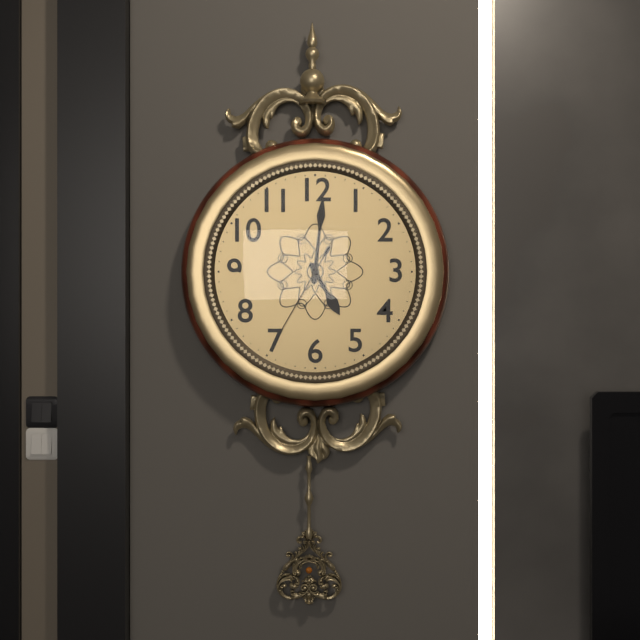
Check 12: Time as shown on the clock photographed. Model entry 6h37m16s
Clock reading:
5h01m35s
